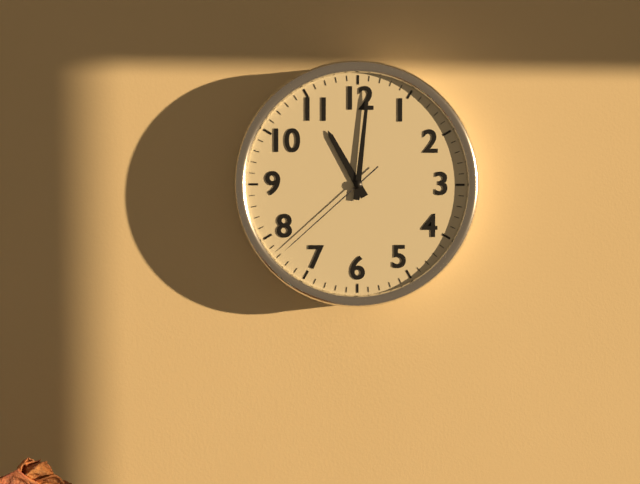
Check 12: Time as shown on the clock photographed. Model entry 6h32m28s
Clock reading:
11h01m38s
